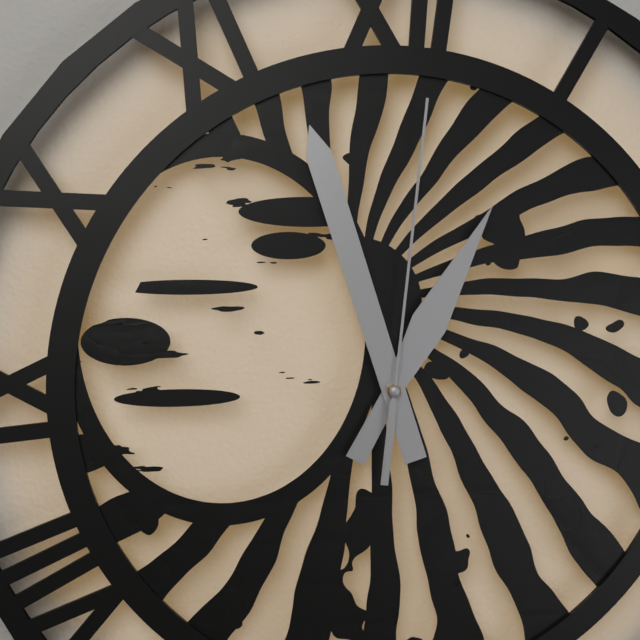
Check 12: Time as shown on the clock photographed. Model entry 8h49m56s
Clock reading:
12h57m01s
